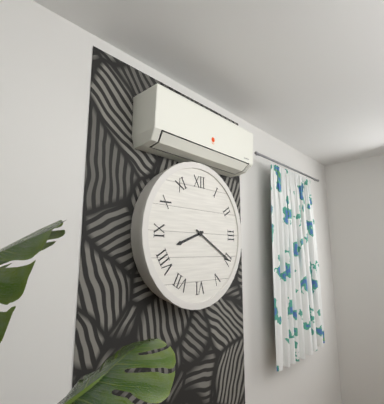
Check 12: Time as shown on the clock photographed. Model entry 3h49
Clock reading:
8h20
